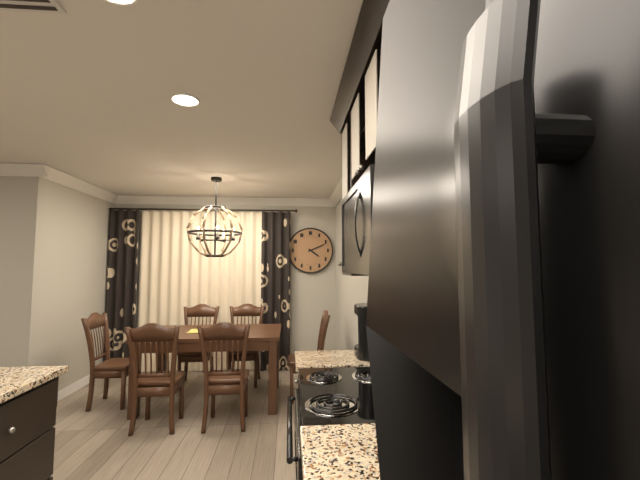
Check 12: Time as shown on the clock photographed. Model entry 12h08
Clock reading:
4h11
